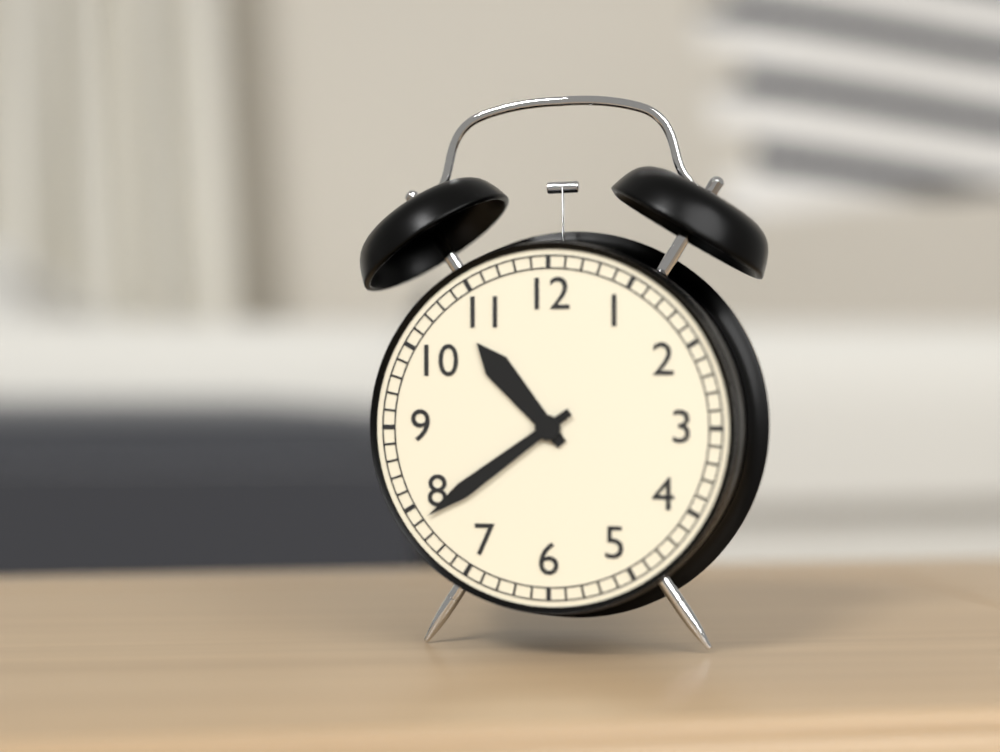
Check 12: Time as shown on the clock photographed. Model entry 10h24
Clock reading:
10h39
